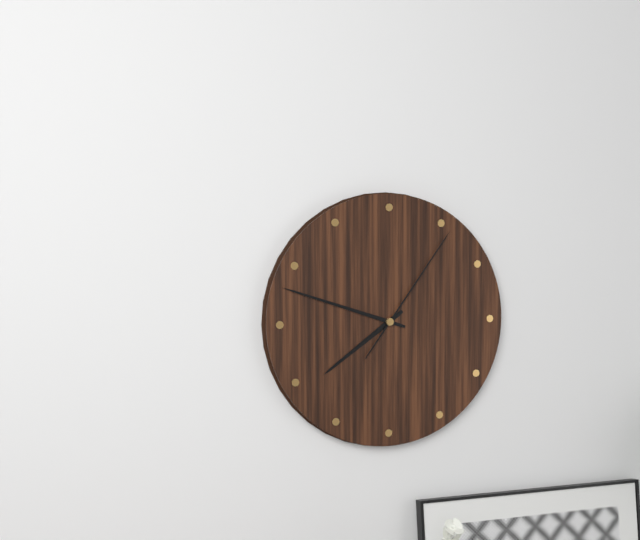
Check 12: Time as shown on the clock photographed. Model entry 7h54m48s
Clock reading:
7h48m06s
